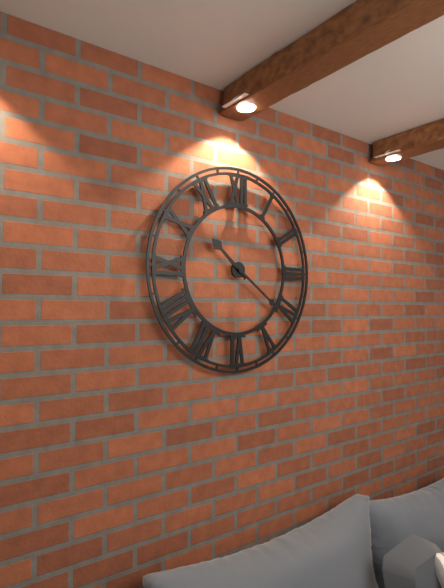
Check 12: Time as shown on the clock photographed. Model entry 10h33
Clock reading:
10h21
